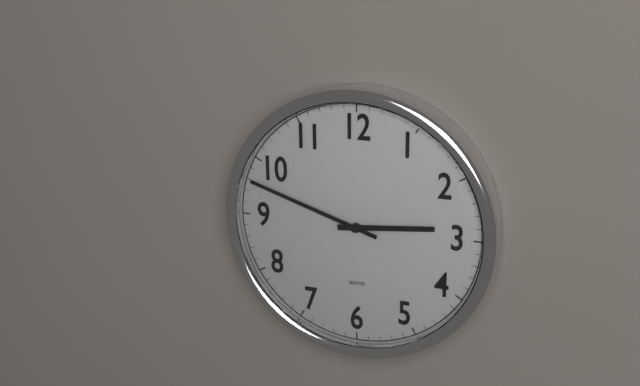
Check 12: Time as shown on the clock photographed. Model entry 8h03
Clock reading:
2h48
